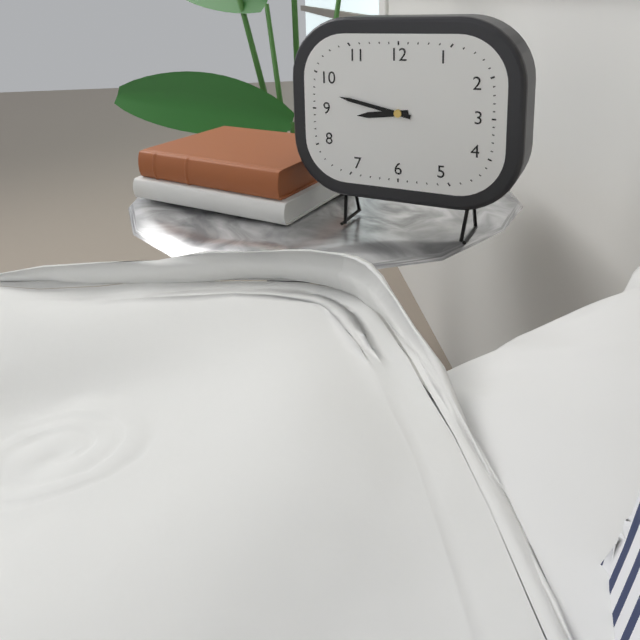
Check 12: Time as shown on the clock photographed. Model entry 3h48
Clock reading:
8h47
